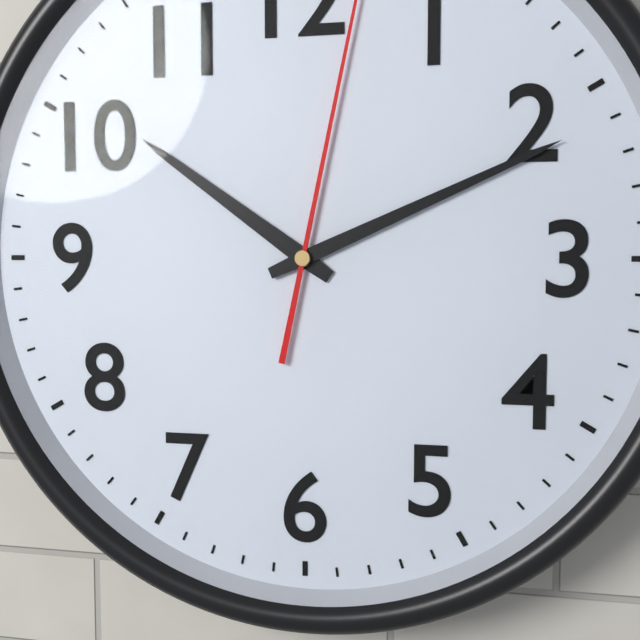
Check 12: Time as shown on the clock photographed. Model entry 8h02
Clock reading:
10h11
